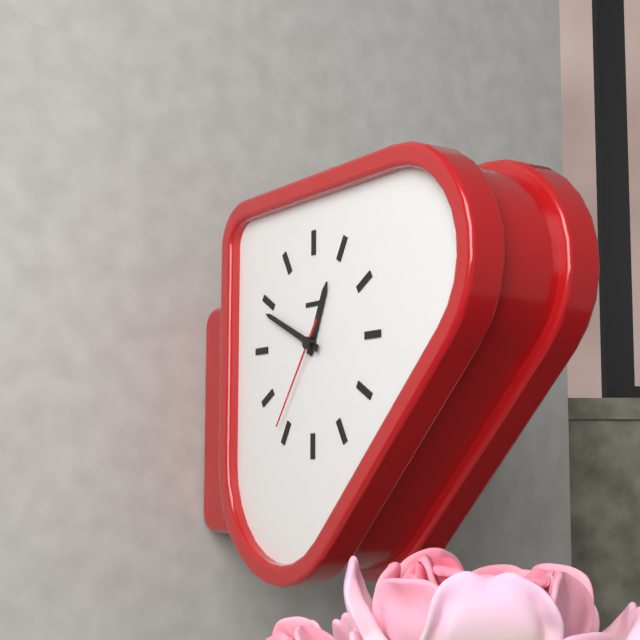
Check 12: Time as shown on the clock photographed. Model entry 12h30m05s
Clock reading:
12h49m36s
